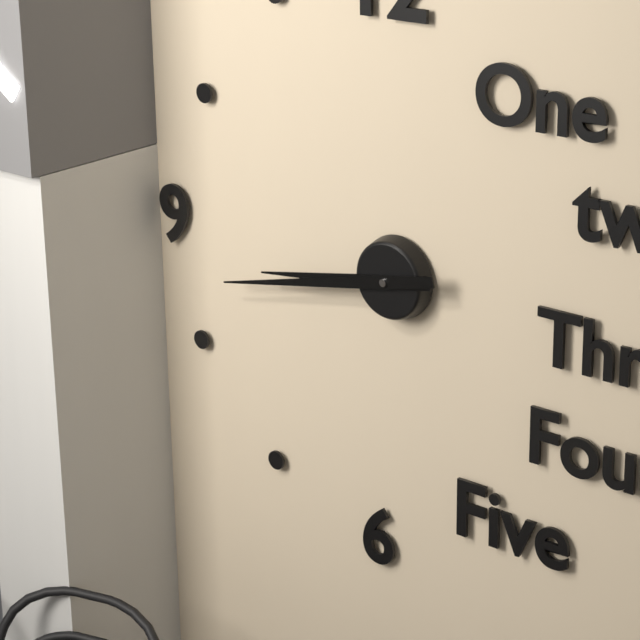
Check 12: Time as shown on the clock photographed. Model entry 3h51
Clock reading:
8h43
